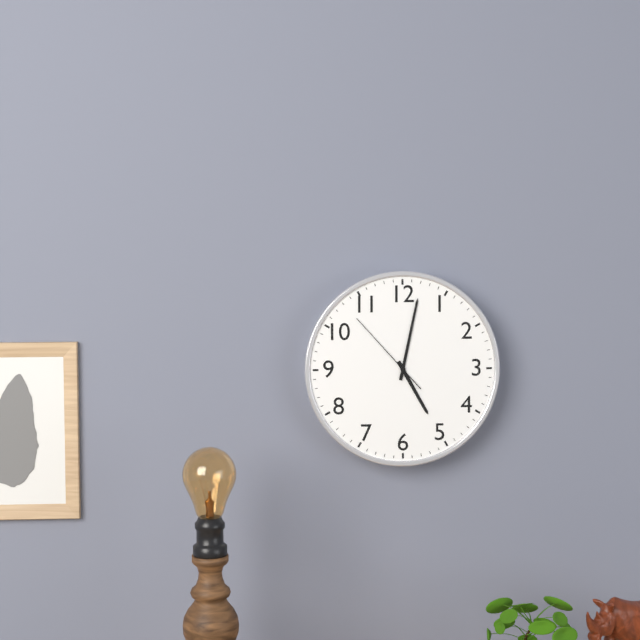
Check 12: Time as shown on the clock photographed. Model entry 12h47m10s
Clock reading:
5h02m53s
